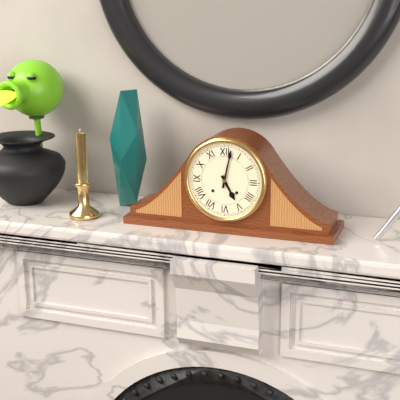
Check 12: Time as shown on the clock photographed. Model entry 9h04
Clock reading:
5h02
